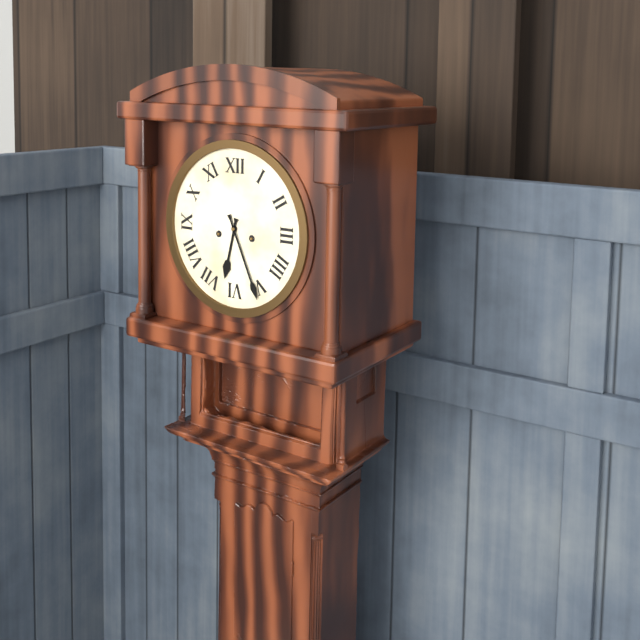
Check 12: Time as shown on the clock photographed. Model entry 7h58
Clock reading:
6h26
